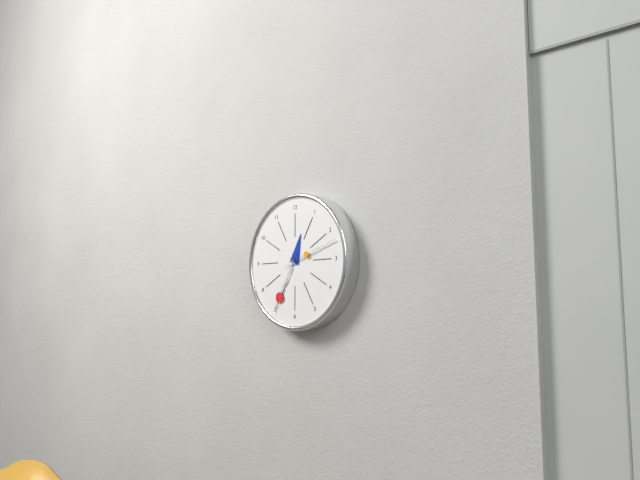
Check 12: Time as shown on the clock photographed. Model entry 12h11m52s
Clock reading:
12h35m12s
